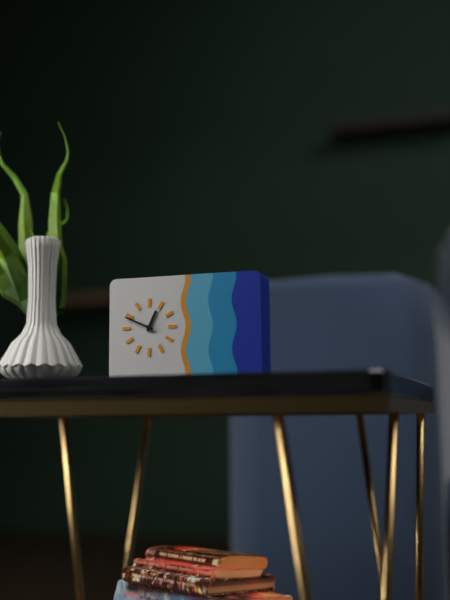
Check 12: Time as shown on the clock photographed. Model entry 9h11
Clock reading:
12h49
